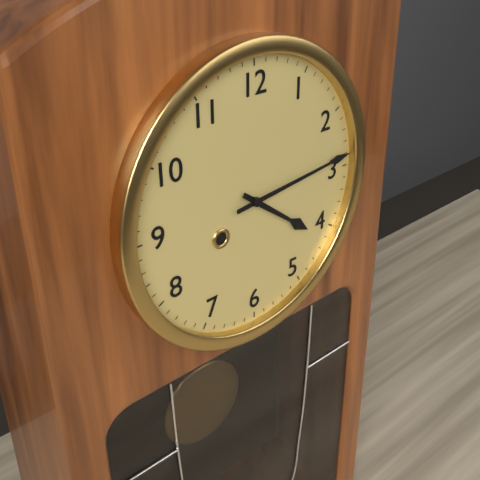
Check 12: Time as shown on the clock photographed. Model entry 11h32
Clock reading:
4h14
